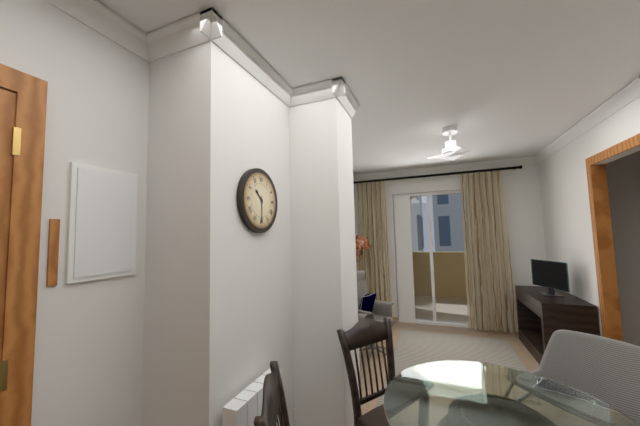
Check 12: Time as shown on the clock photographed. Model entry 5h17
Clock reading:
10h30
